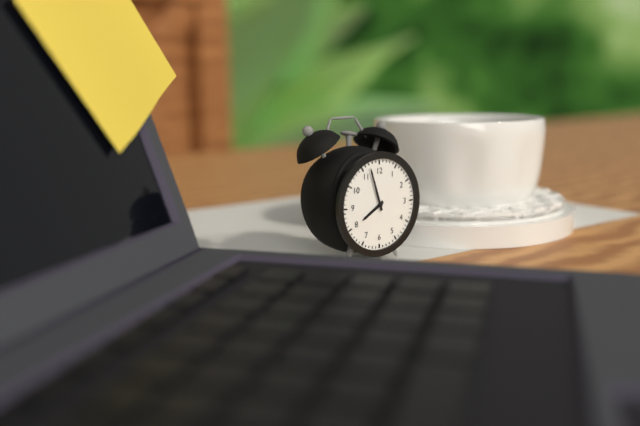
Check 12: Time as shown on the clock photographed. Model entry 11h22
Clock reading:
7h57
